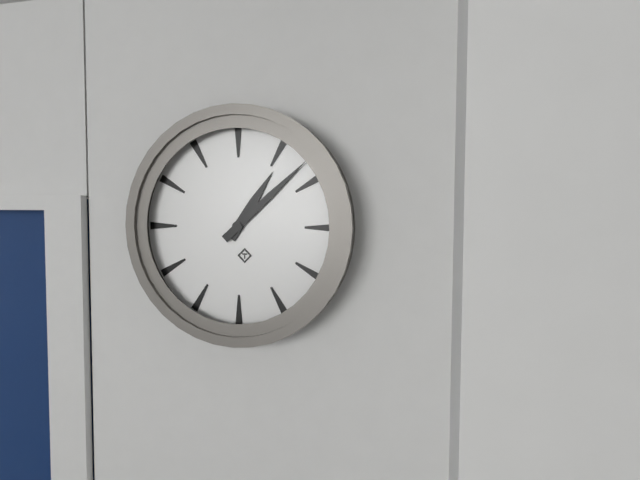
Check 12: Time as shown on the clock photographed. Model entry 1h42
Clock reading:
1h08
